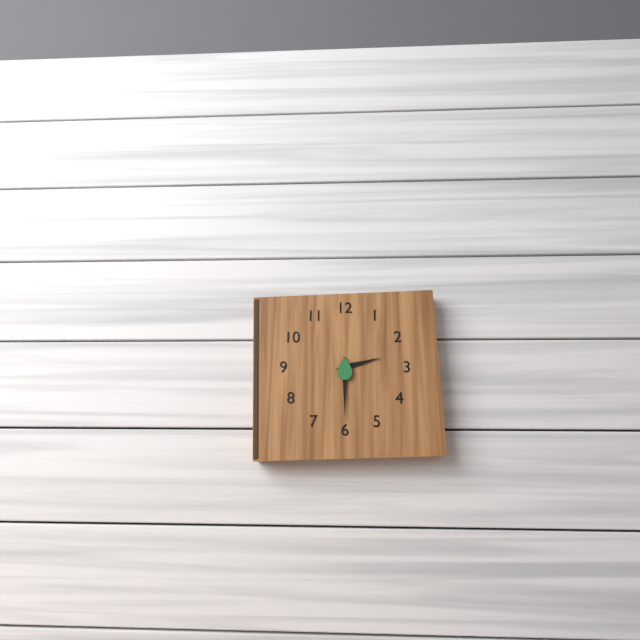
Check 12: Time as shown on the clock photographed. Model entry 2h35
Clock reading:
2h30
